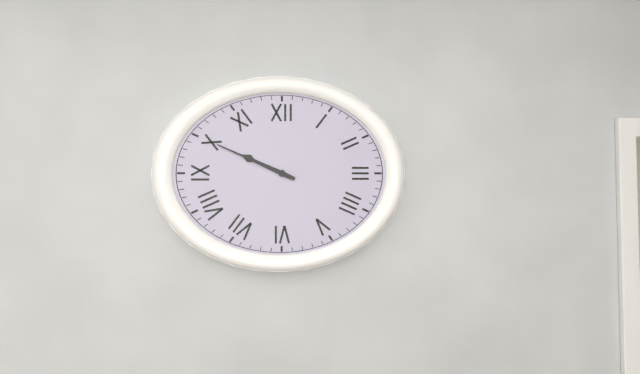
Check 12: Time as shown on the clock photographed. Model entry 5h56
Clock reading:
9h49
